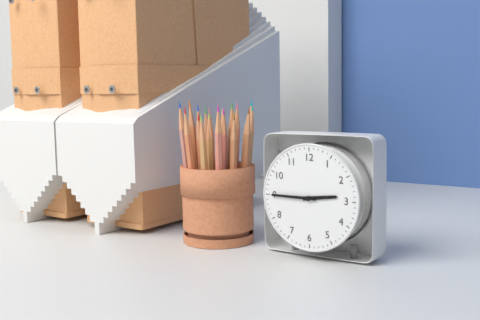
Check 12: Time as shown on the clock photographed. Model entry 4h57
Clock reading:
2h45
